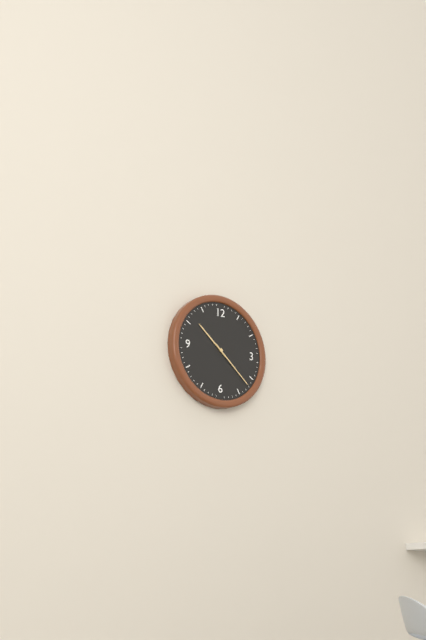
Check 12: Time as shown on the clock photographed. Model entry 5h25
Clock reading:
10h22
